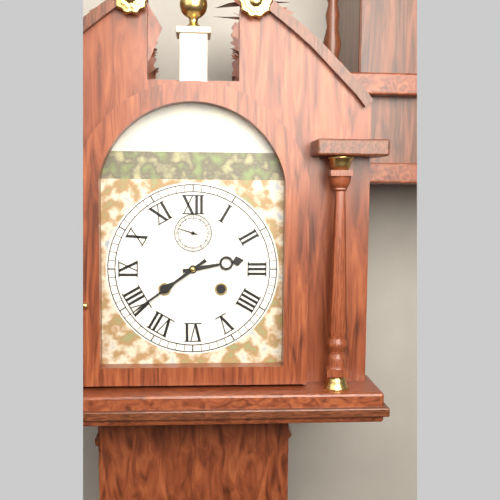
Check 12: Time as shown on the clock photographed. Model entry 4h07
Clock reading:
2h39
